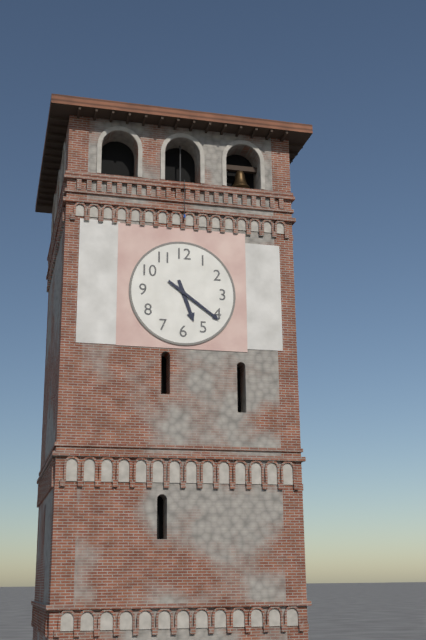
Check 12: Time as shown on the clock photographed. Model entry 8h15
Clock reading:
5h21
